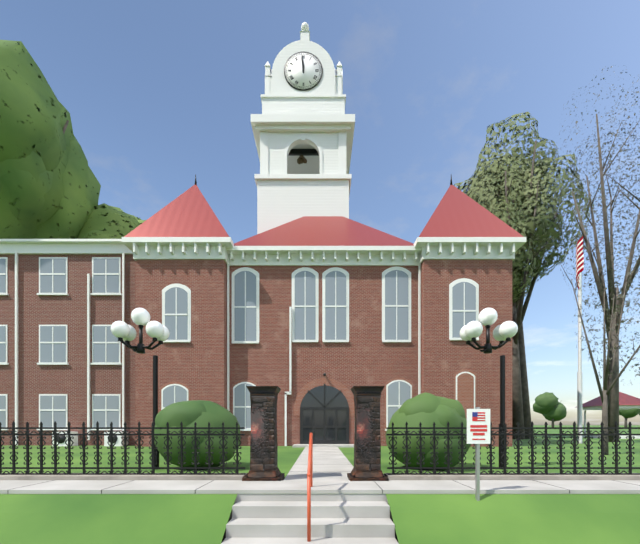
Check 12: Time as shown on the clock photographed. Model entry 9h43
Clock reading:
11h59
